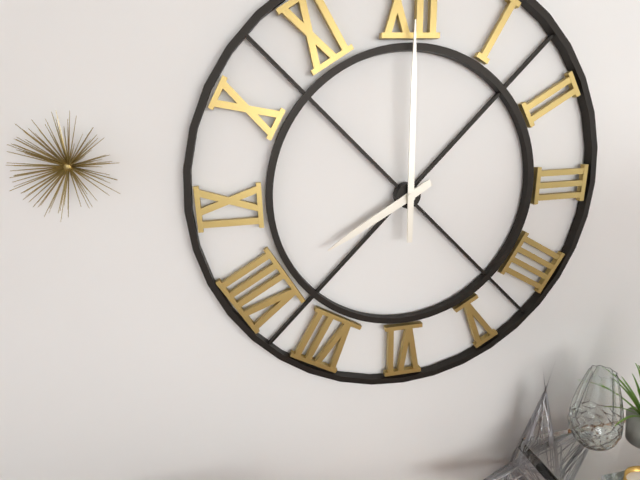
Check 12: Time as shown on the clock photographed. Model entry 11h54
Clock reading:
8h00
